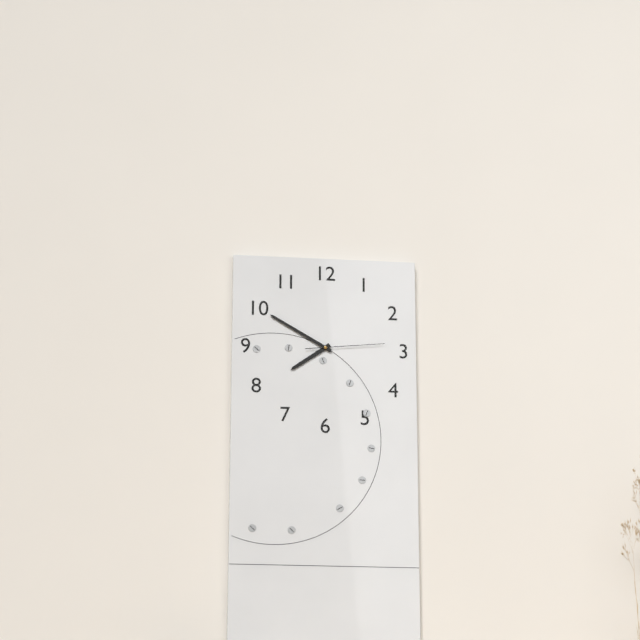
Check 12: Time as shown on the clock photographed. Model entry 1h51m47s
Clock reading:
7h50m14s
